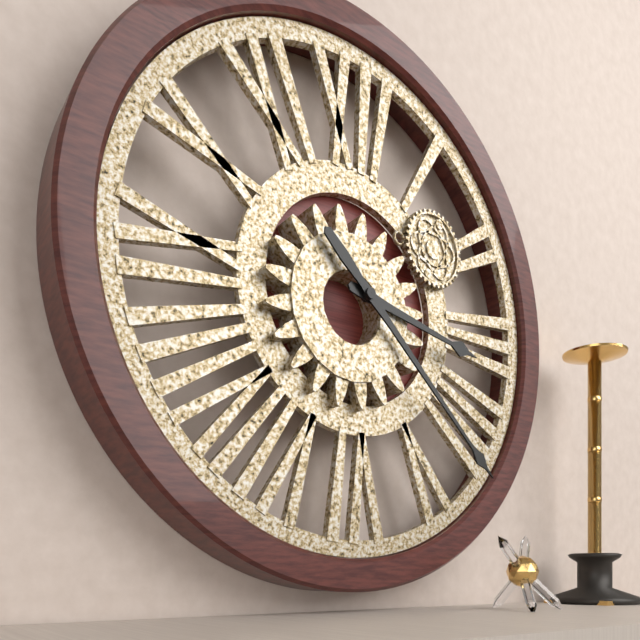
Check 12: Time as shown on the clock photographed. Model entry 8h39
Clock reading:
3h22
